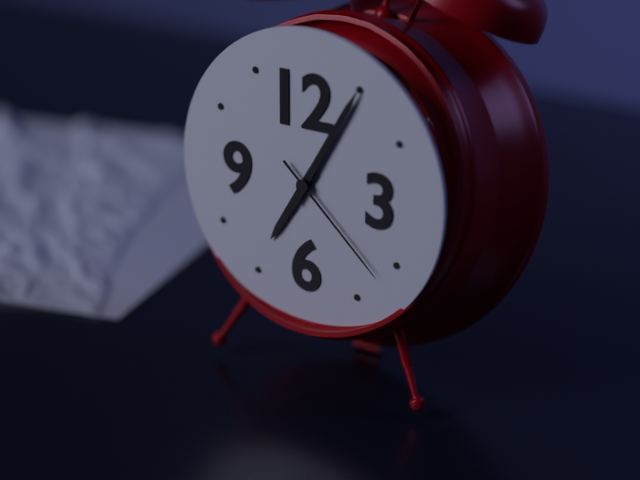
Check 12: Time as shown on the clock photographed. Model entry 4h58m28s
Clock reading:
7h05m22s
